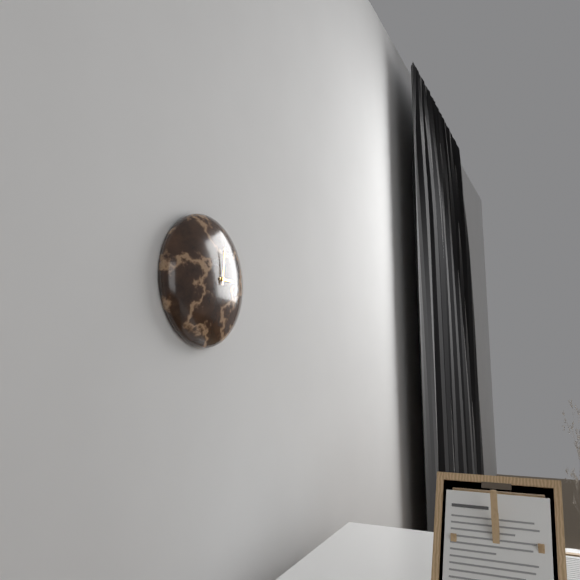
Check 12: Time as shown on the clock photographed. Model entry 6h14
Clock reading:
3h01
